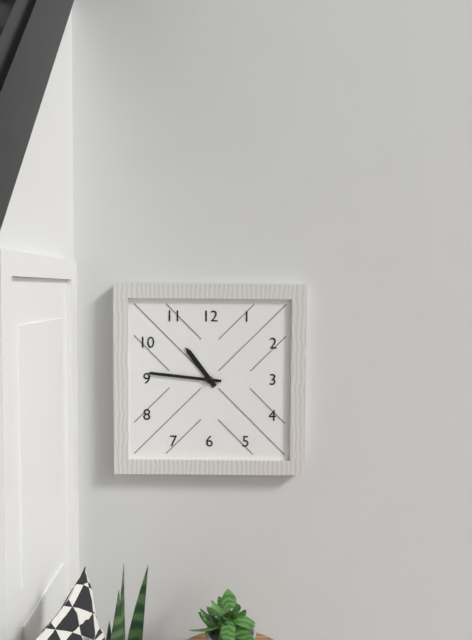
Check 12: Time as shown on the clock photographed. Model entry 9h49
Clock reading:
10h46
